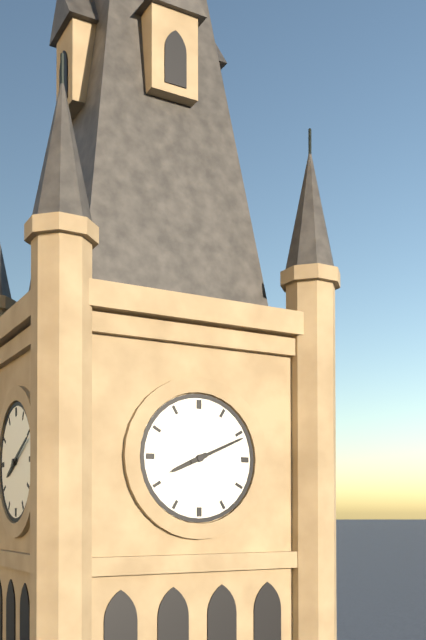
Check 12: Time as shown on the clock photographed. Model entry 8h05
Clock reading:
8h11
